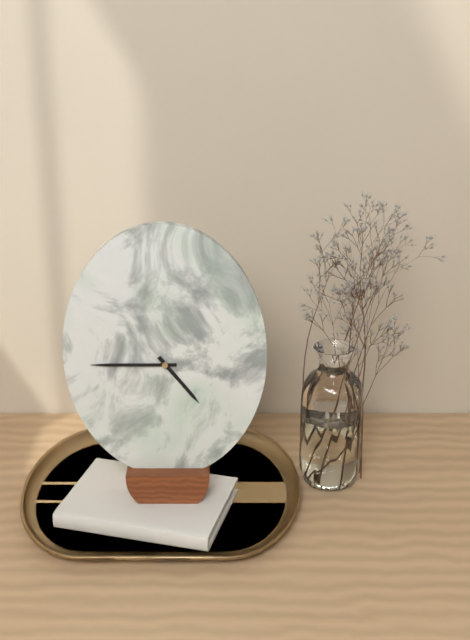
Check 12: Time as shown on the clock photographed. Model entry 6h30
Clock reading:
4h45
